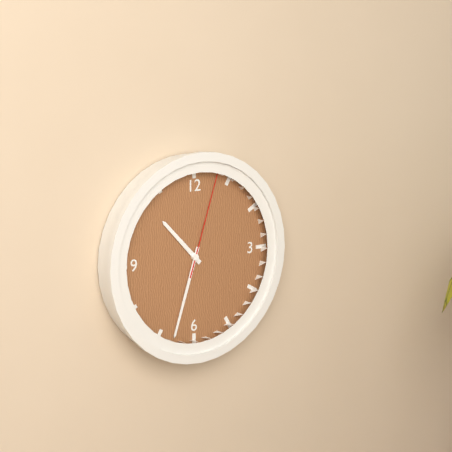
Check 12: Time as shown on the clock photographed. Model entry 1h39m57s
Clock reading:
10h33m03s
